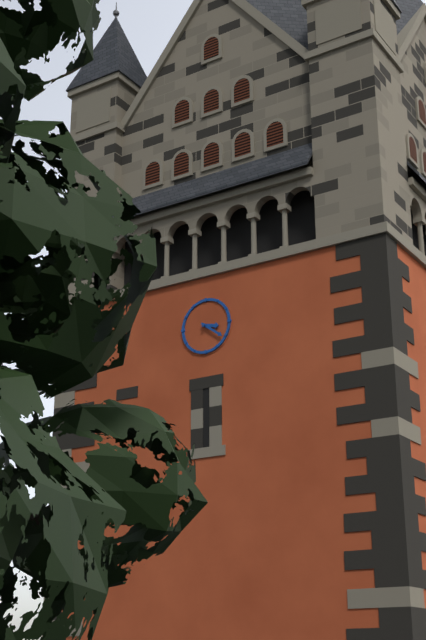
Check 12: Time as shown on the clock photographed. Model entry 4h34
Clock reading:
3h21
